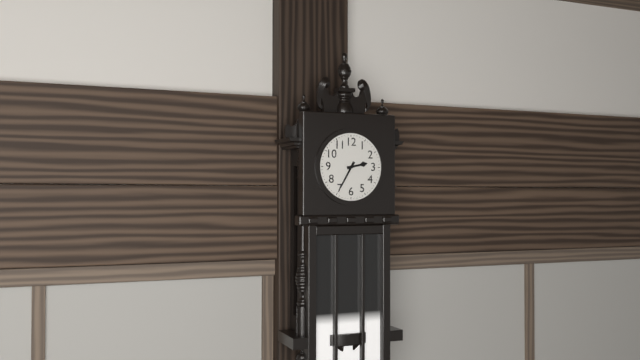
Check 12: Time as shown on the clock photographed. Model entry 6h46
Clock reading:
2h35
